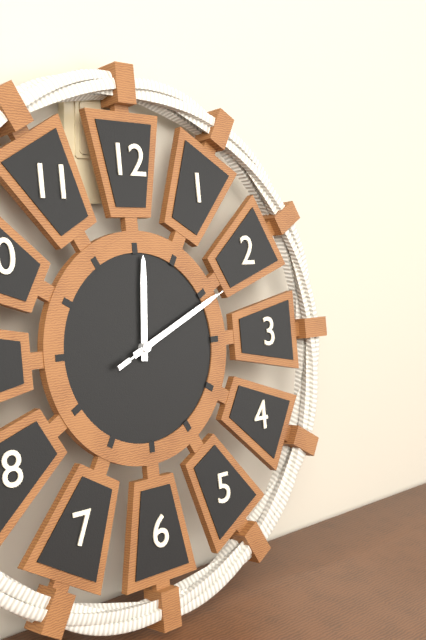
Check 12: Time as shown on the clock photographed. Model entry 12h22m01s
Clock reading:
12h11m11s
